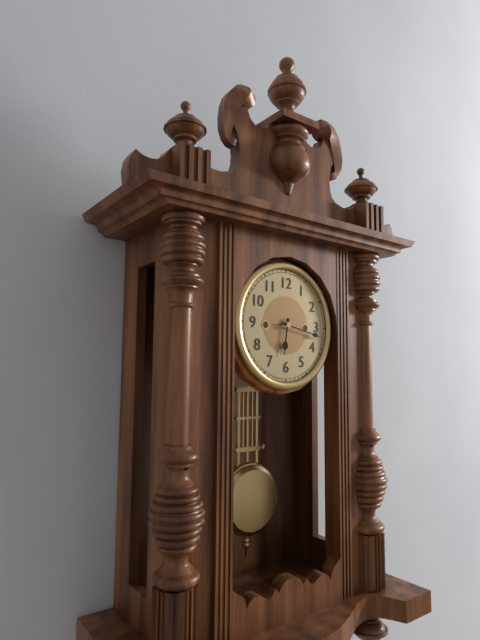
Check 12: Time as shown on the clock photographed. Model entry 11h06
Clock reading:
6h17
